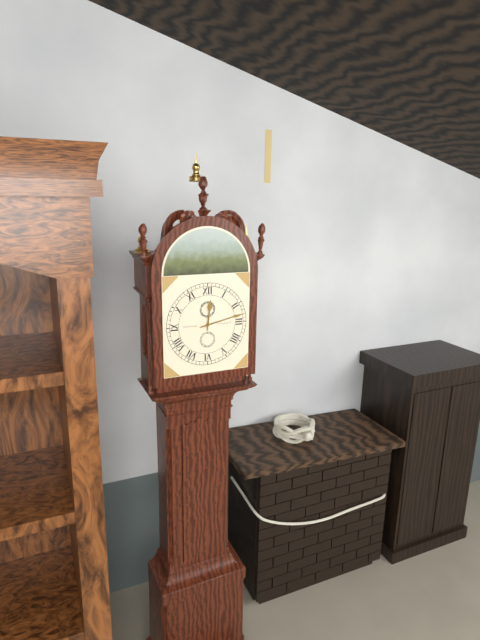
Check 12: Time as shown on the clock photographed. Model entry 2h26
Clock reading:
12h13
